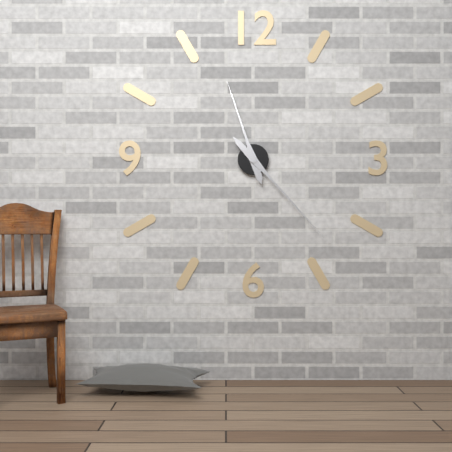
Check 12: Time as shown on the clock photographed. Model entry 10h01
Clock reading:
11h23
